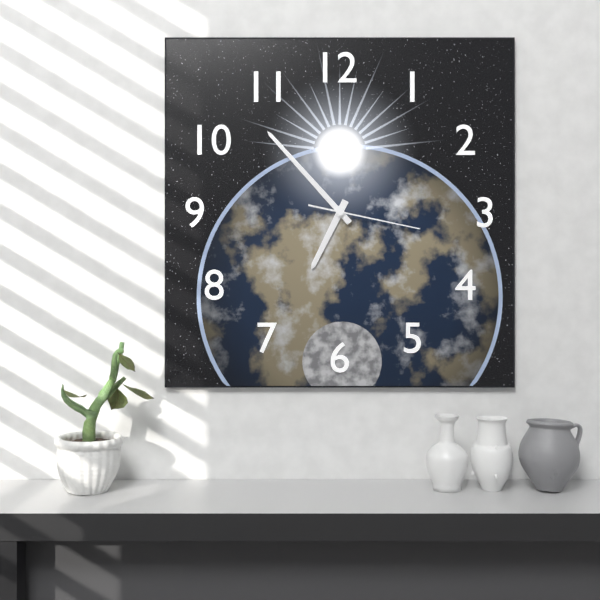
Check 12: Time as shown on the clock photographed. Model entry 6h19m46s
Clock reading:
6h53m17s
